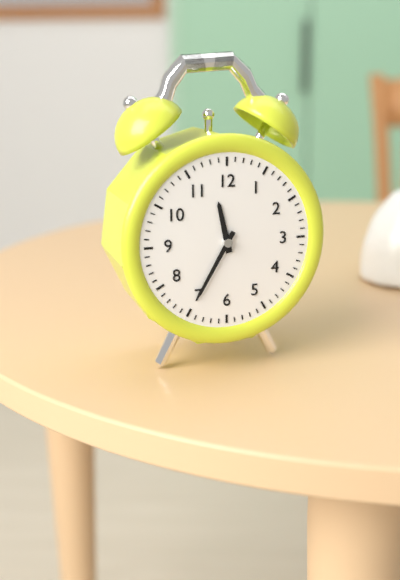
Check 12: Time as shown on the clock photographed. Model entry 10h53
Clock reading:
11h35
